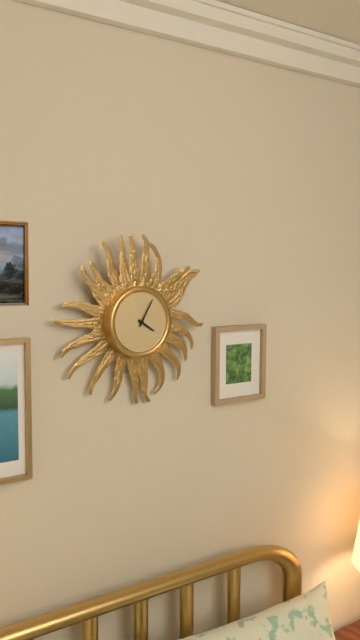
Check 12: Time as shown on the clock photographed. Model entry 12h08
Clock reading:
4h05
